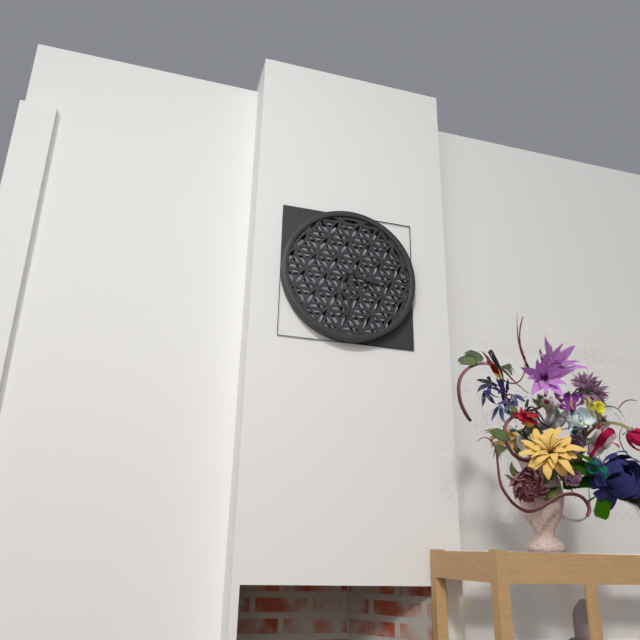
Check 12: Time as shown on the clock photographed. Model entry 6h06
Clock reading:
3h31
